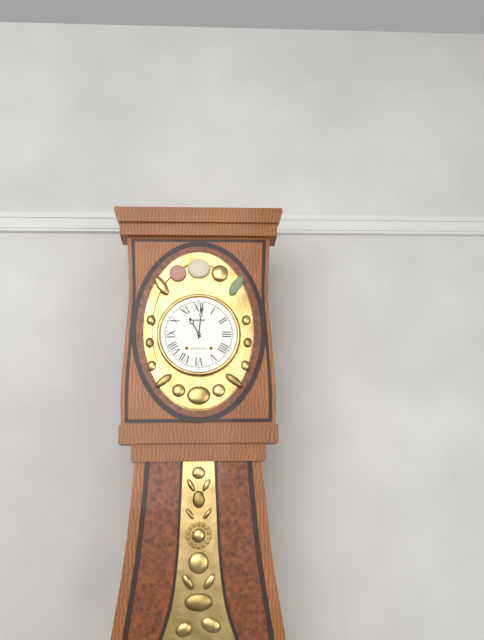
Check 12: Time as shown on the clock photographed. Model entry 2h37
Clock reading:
11h01
